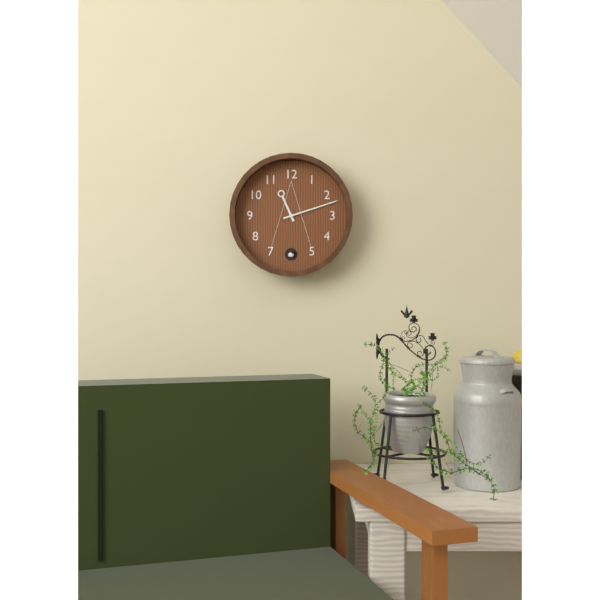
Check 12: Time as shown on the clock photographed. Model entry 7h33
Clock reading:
11h12
